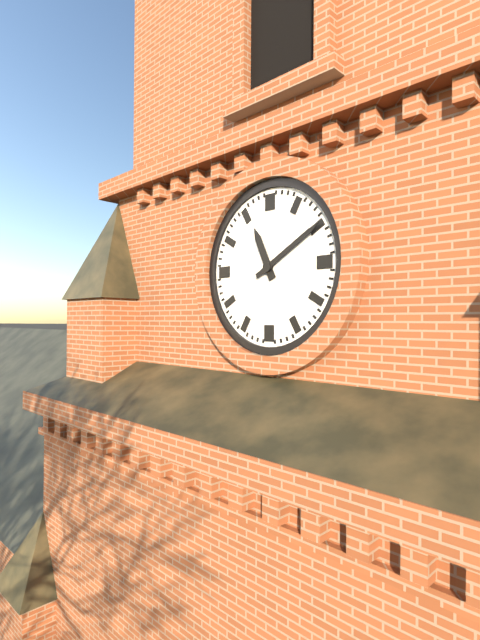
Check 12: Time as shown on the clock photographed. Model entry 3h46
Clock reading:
11h10
